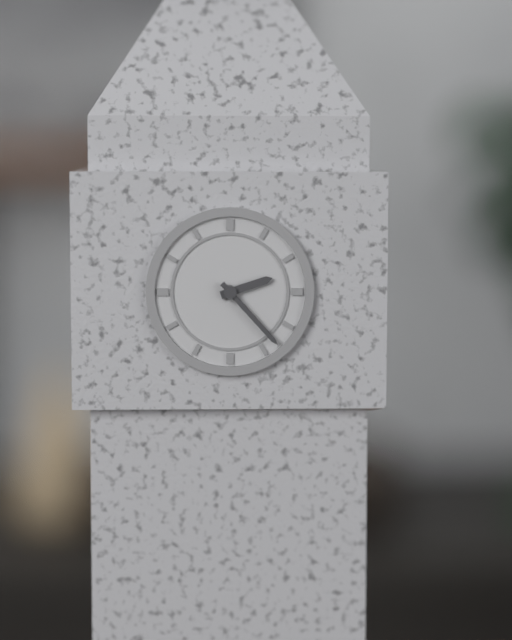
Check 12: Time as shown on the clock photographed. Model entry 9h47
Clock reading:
2h23
